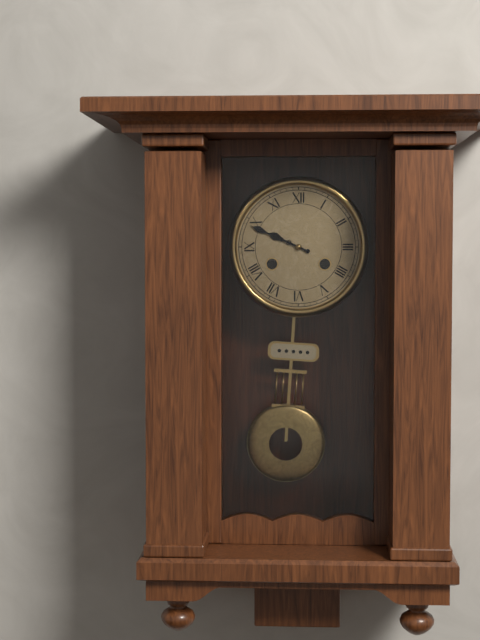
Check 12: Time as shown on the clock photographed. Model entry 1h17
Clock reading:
9h49
